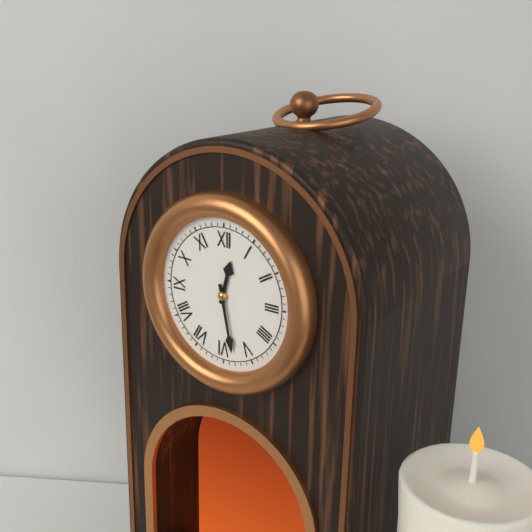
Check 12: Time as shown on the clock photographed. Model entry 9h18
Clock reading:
12h28
